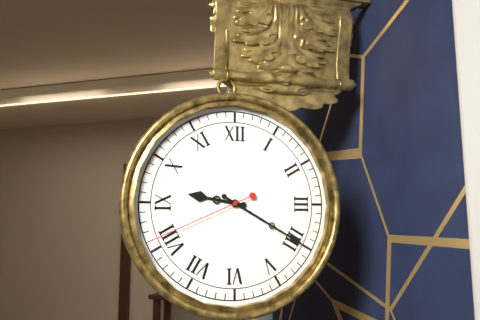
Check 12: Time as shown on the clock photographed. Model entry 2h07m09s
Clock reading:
9h20m41s
